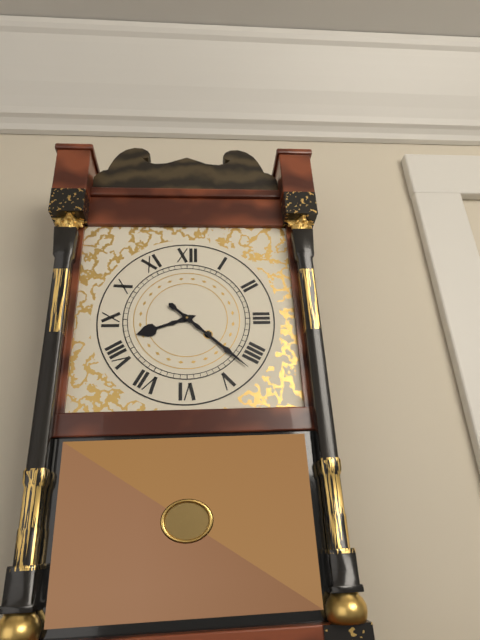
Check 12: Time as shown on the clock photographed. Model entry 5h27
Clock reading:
8h22
